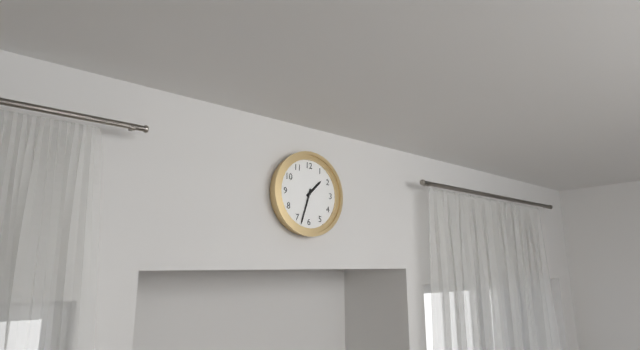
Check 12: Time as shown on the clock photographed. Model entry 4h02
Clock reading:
1h33
